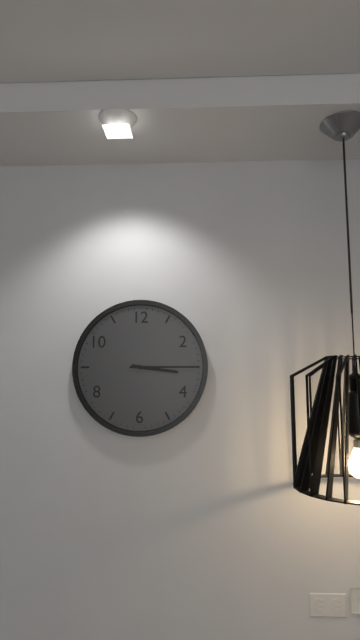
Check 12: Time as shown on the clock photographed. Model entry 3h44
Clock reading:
3h15
